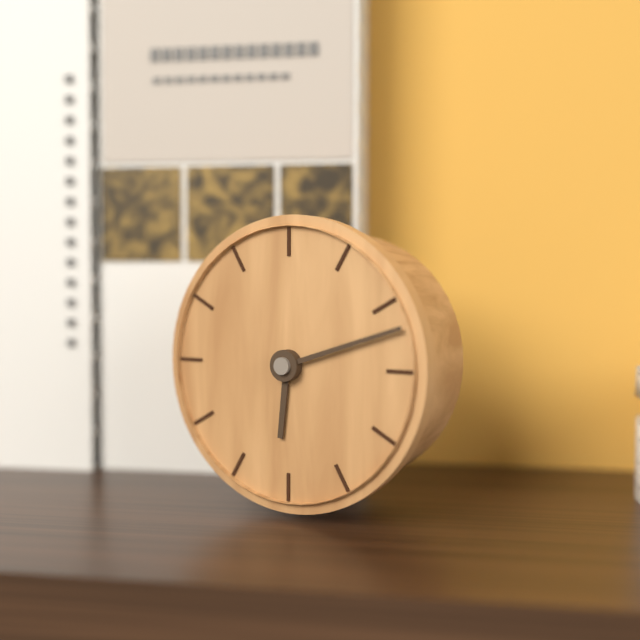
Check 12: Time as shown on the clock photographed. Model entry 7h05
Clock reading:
6h12
